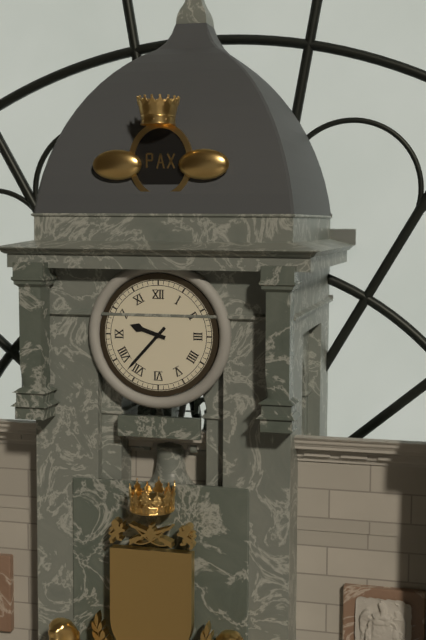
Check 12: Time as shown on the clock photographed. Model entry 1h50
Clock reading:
9h37
